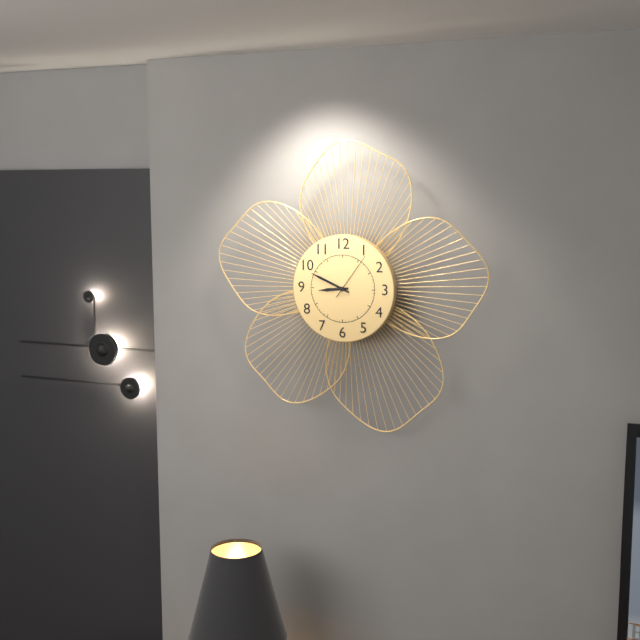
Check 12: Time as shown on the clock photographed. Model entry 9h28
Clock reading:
8h49
